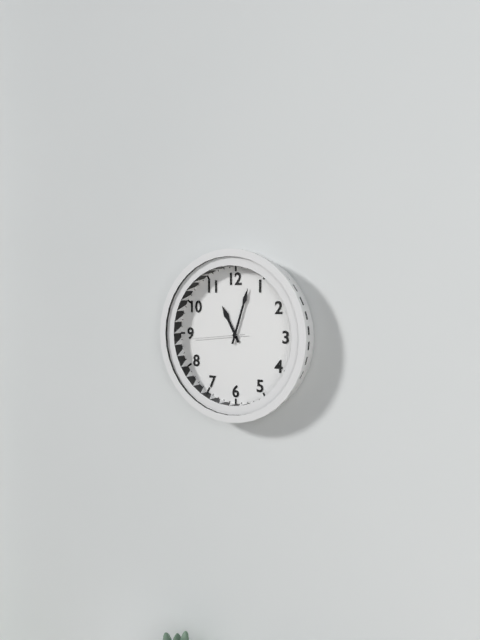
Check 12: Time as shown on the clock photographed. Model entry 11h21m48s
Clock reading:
11h03m44s
